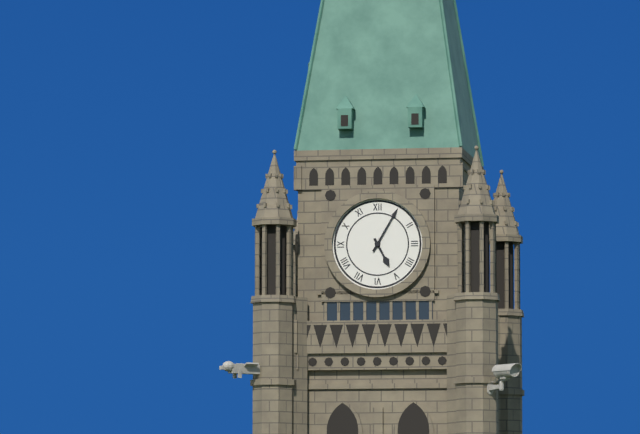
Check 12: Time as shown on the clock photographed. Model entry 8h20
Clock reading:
5h05
